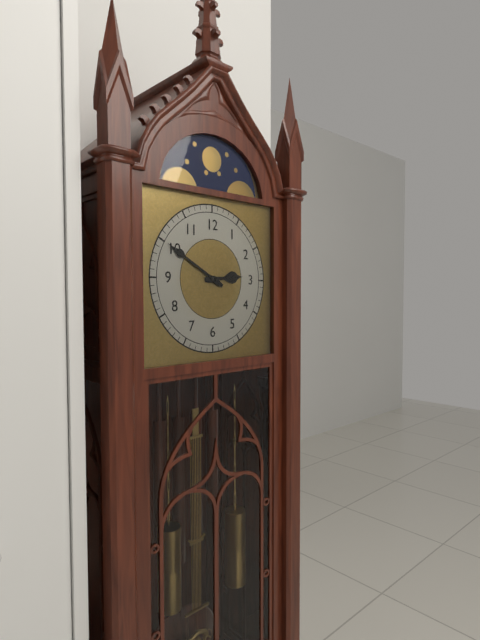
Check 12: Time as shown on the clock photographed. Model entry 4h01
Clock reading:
2h50
